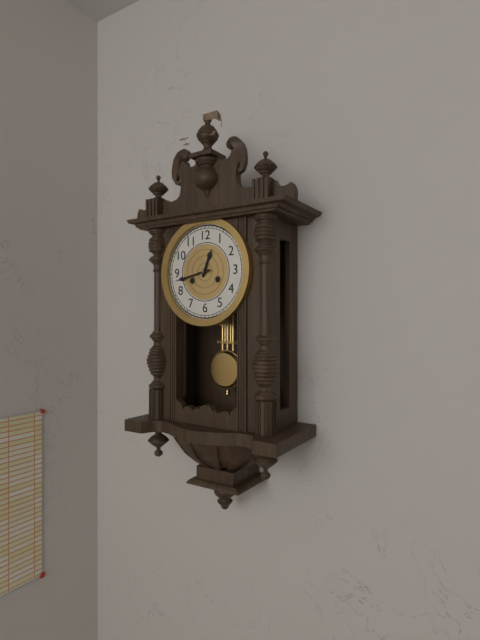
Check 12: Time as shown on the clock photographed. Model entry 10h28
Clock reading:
12h43
